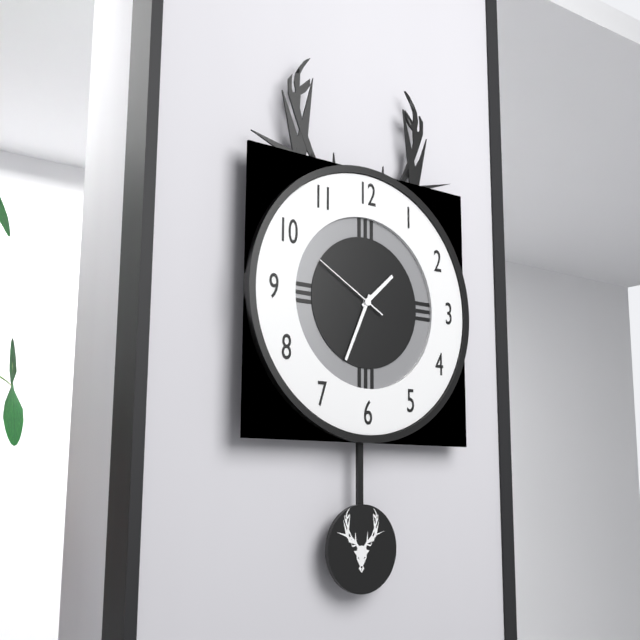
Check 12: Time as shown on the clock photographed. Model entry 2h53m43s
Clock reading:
1h34m50s
